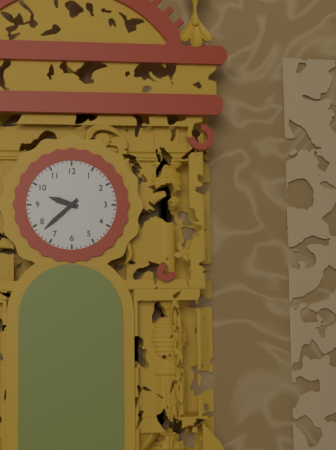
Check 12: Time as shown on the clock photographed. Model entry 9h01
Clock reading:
9h38
